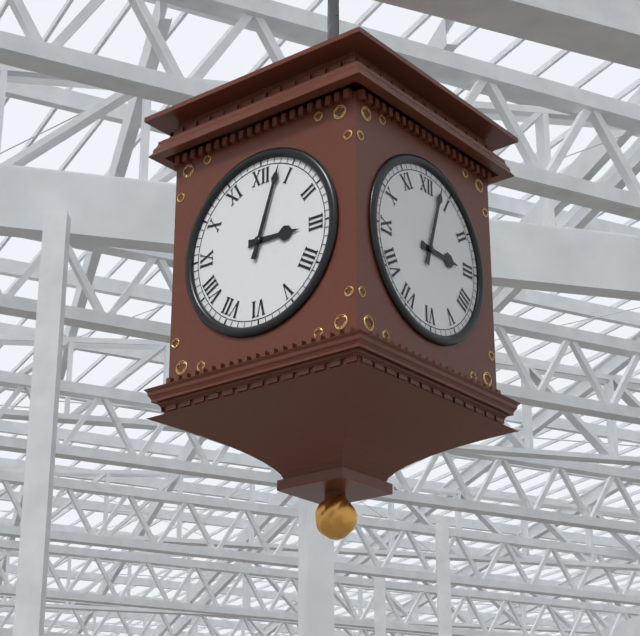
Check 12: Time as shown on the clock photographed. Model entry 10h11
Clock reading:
3h03
